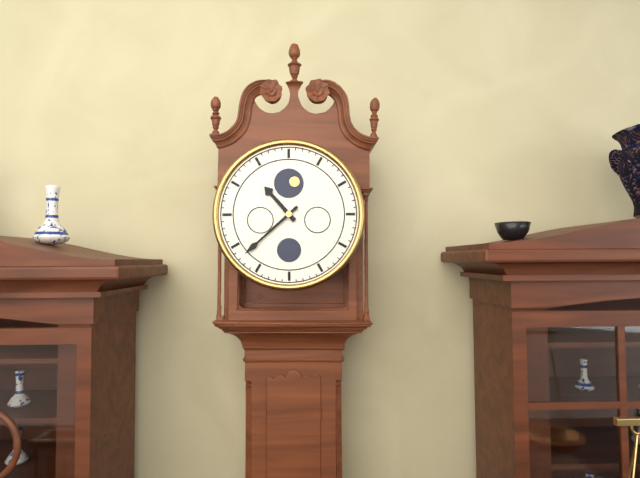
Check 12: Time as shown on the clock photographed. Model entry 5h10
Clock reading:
10h38
